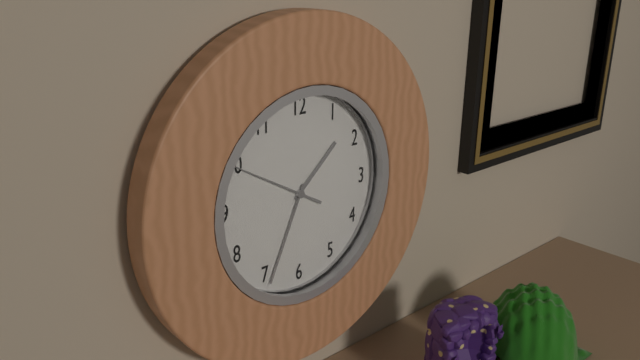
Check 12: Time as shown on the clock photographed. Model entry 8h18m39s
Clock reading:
1h34m50s
